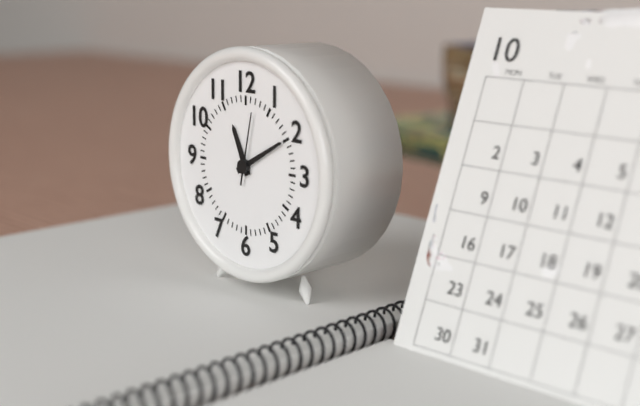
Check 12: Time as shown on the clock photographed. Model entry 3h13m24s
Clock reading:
11h10m02s
